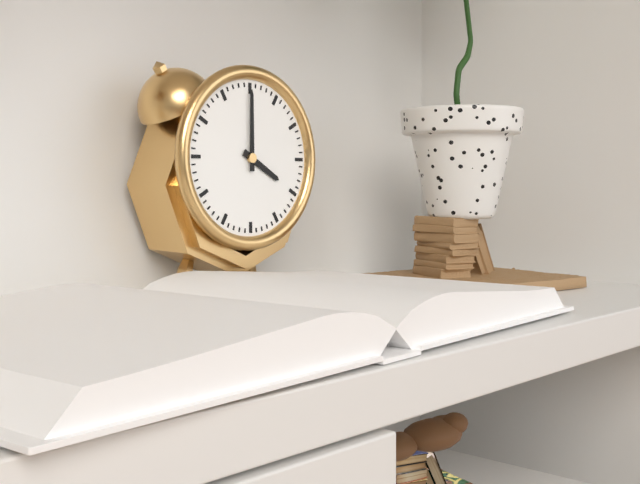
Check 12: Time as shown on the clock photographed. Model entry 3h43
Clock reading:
4h00
